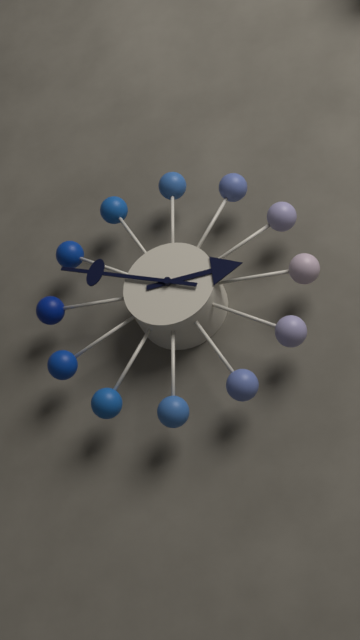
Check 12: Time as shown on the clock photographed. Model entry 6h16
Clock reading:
2h48
